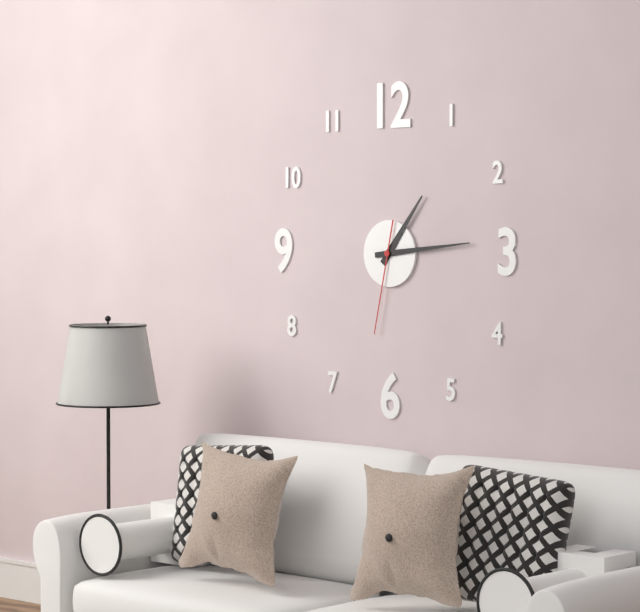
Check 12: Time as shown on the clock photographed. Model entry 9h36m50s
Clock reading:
1h14m32s
